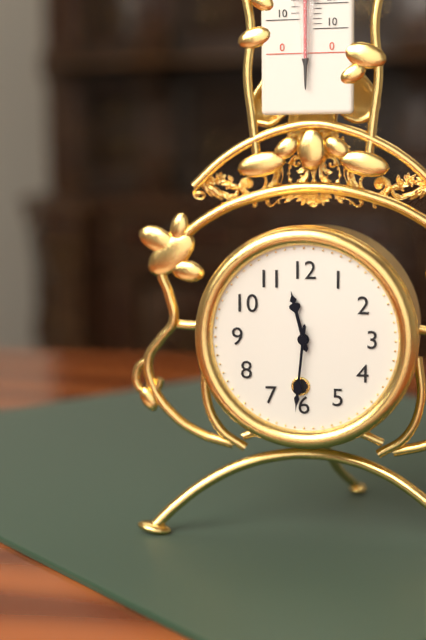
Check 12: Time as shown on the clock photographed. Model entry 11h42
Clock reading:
11h31
